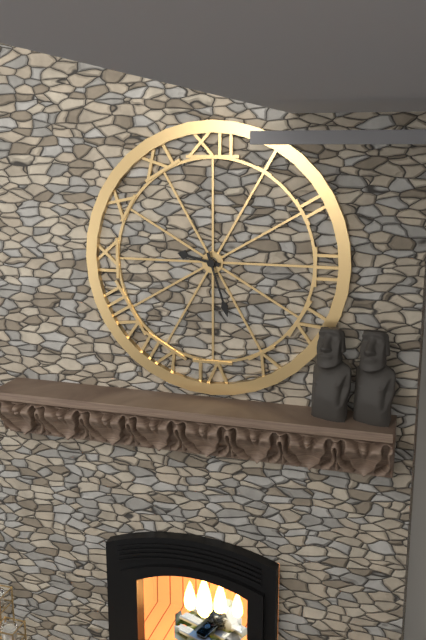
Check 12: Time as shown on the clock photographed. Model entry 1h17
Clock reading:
9h27
